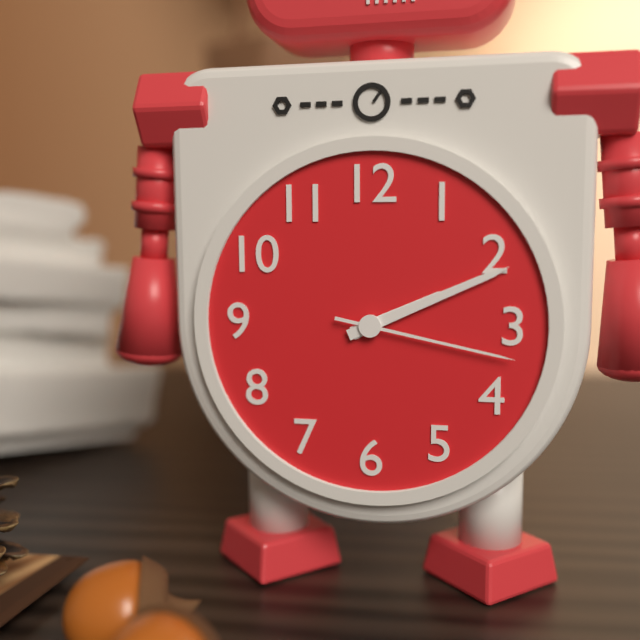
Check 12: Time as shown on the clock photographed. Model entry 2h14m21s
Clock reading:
2h11m17s
